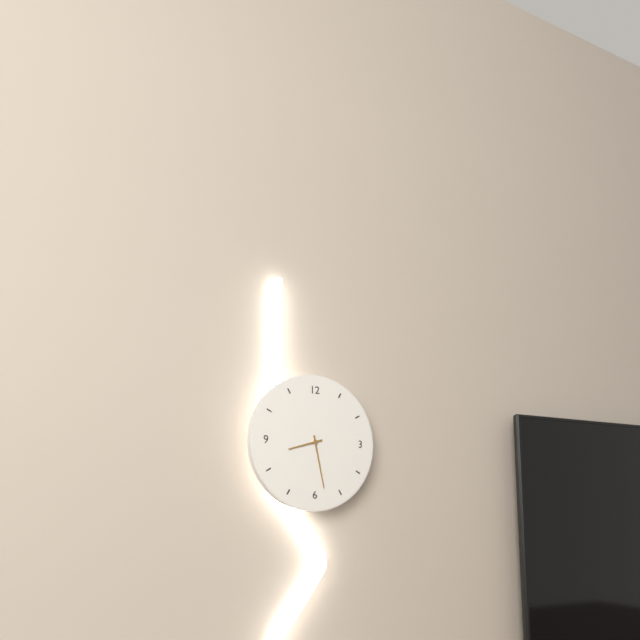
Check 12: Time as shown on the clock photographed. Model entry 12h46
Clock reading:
8h28
